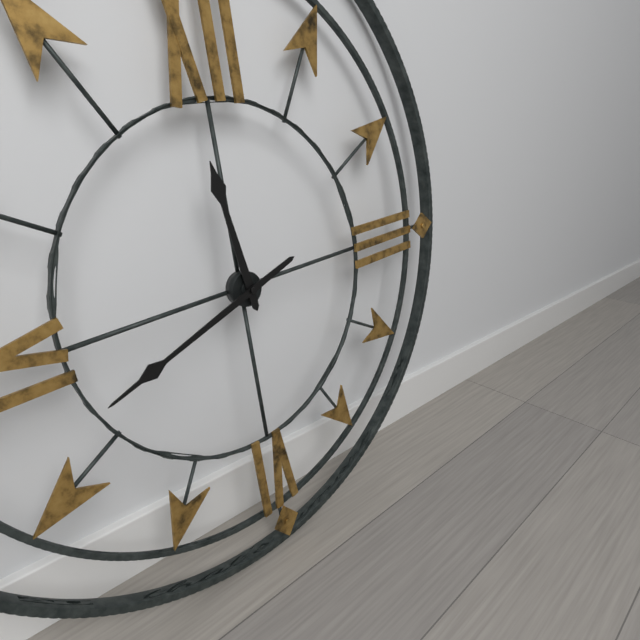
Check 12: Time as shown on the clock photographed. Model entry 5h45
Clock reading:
11h42
